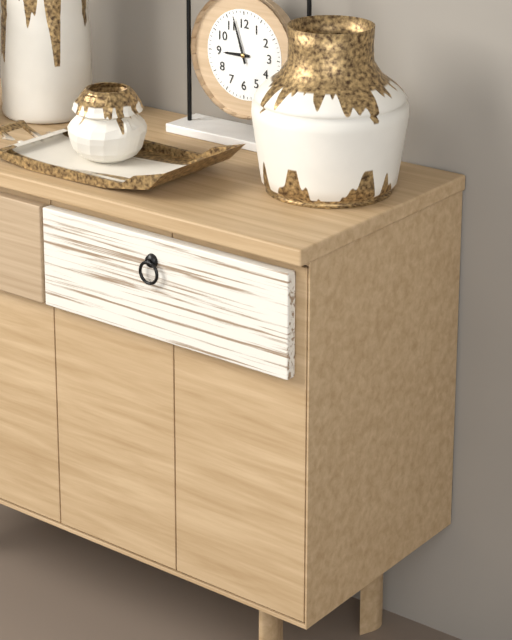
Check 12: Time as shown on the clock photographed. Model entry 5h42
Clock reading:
8h57
